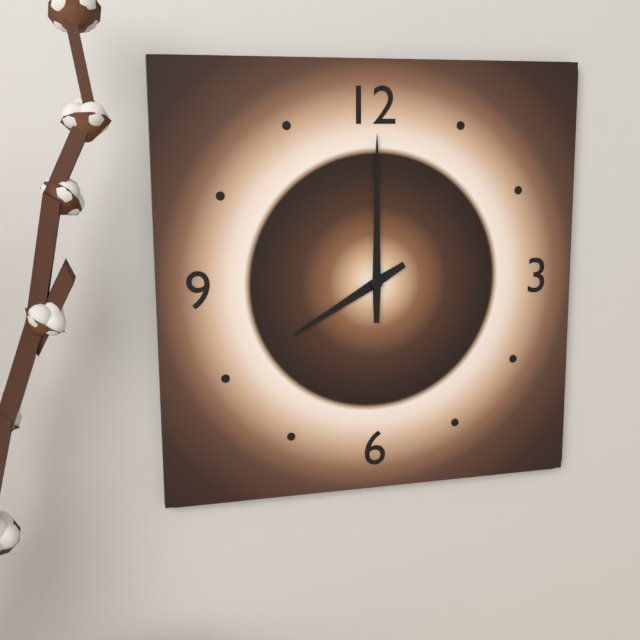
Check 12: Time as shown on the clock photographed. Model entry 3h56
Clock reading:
8h00
